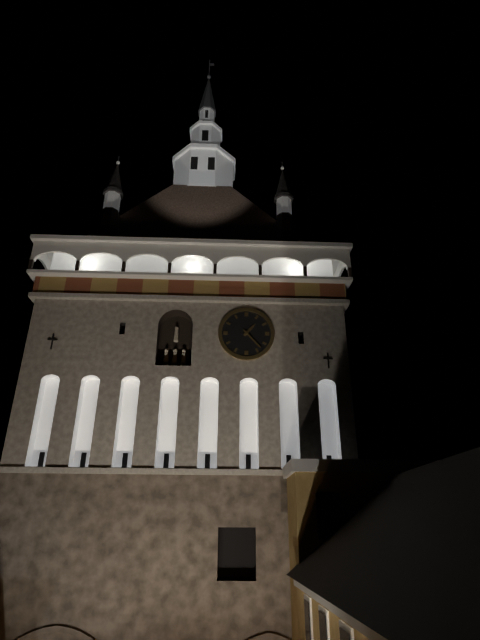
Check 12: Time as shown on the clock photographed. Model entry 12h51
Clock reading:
1h23
